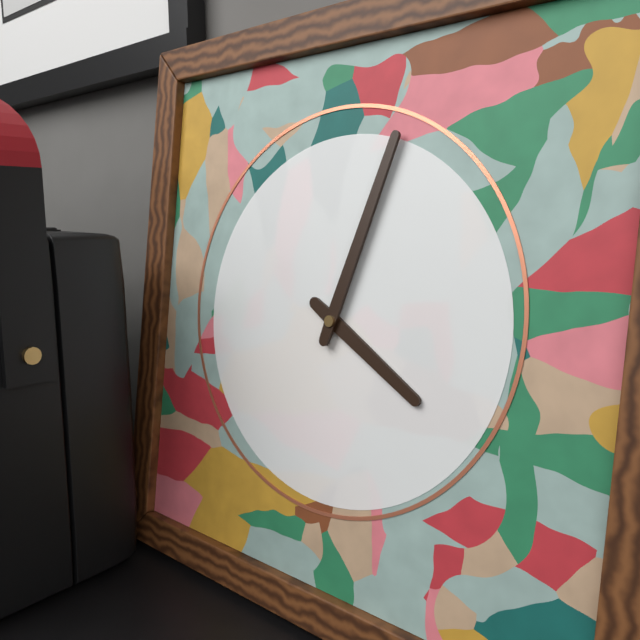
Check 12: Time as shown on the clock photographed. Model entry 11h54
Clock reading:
4h03
